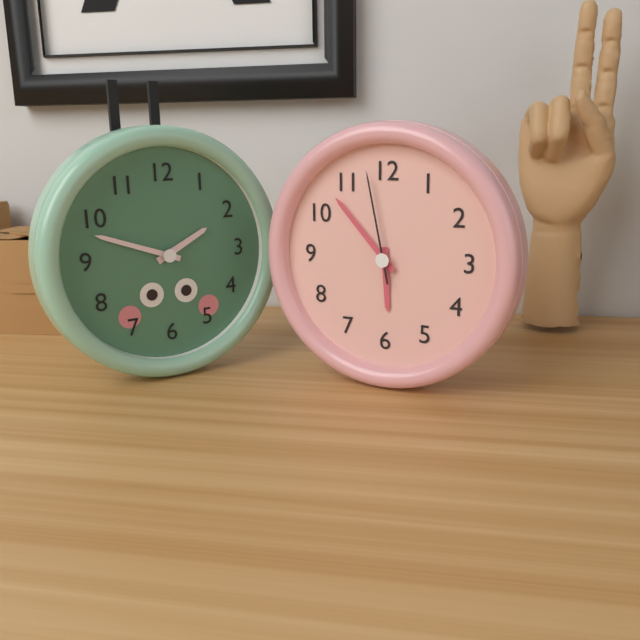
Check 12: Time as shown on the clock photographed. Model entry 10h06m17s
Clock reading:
5h53m58s
